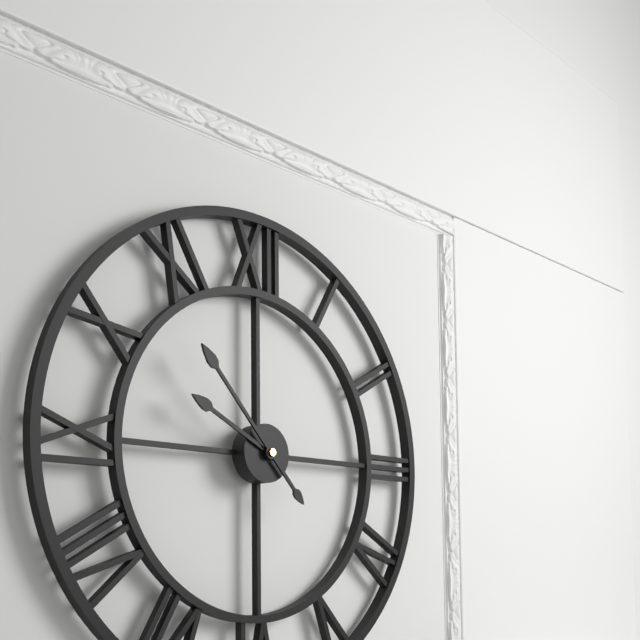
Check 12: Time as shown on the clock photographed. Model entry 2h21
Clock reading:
9h53
